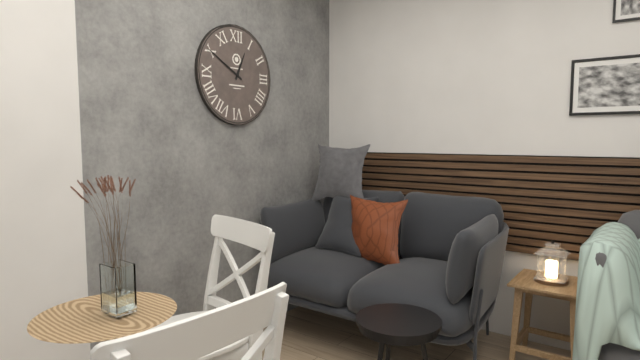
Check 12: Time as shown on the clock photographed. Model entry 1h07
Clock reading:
12h50
